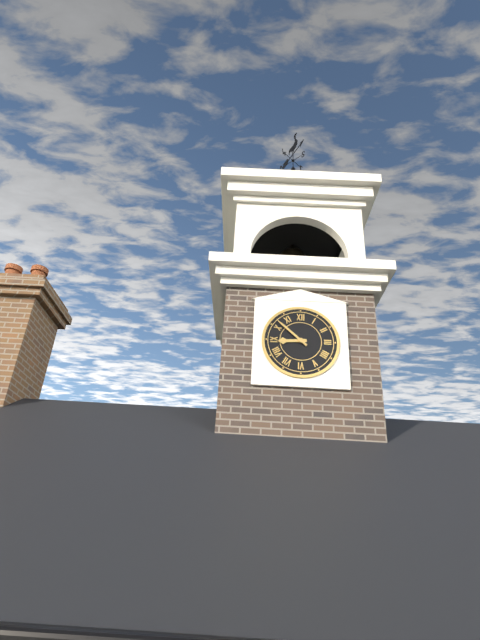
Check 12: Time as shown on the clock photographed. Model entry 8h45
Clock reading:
8h52
